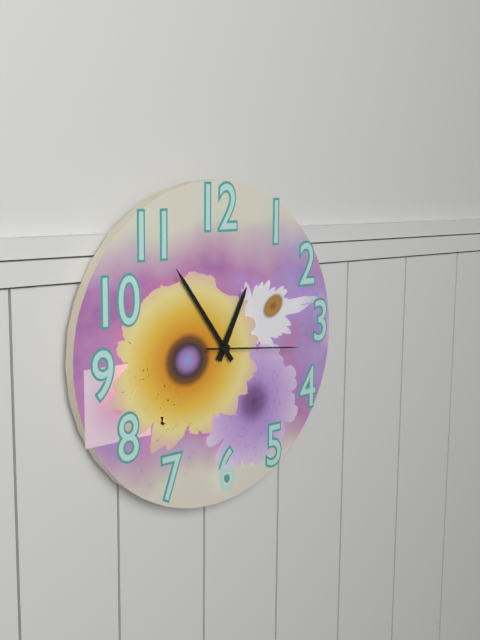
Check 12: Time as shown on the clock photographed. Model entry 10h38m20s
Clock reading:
12h54m16s
